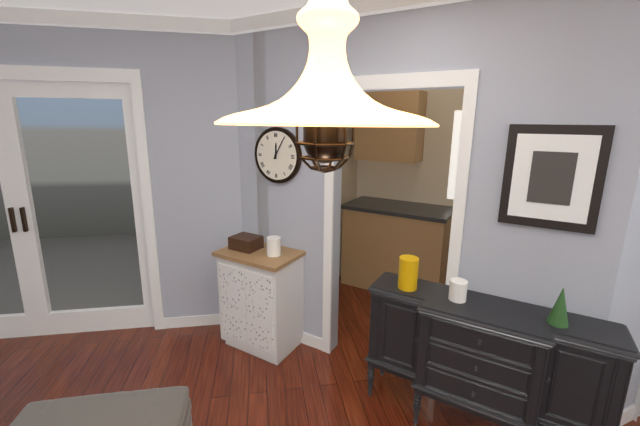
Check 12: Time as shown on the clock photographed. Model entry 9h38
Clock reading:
12h05
